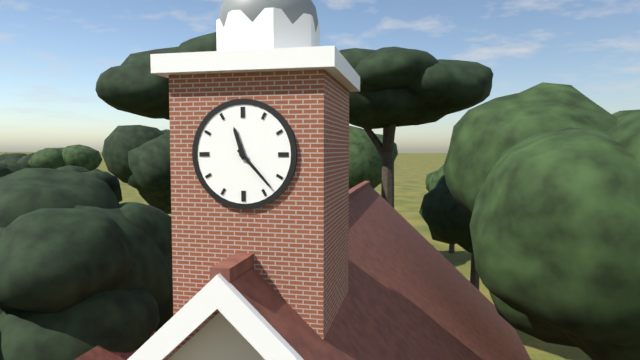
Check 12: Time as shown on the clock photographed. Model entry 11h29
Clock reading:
11h23
